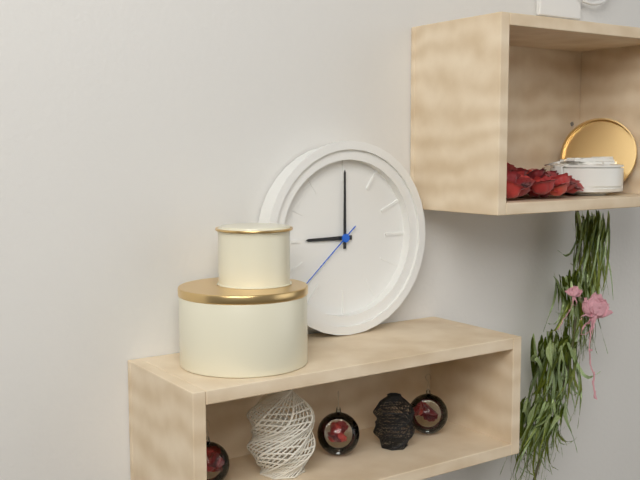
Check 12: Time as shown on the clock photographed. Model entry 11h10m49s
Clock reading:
9h00m38s
